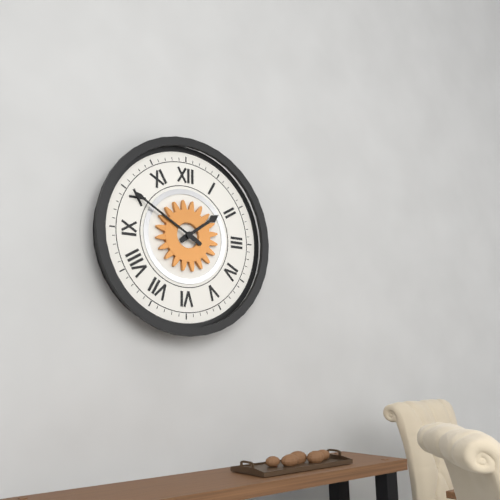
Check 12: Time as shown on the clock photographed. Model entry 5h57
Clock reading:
1h50
